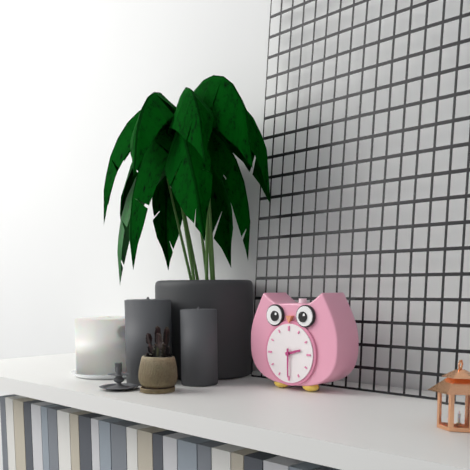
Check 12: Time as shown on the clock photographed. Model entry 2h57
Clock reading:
2h30
